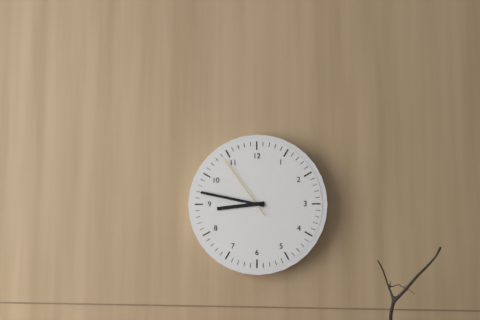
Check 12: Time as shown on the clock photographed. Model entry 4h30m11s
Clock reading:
8h47m54s
